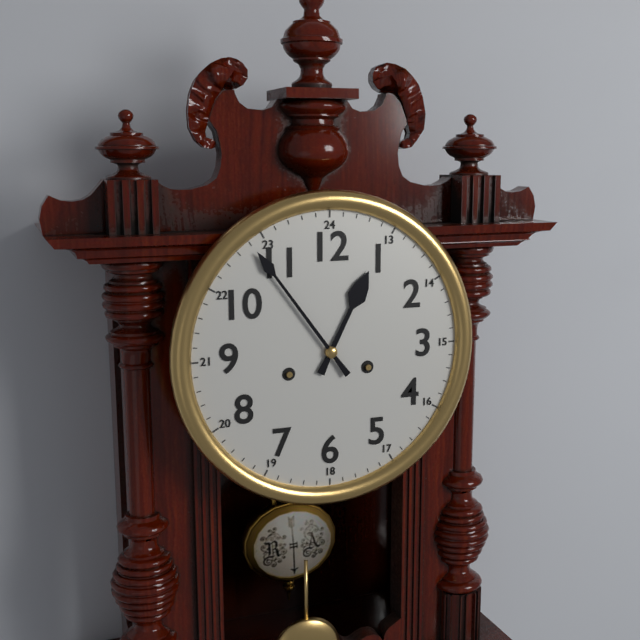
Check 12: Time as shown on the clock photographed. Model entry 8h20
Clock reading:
12h54
